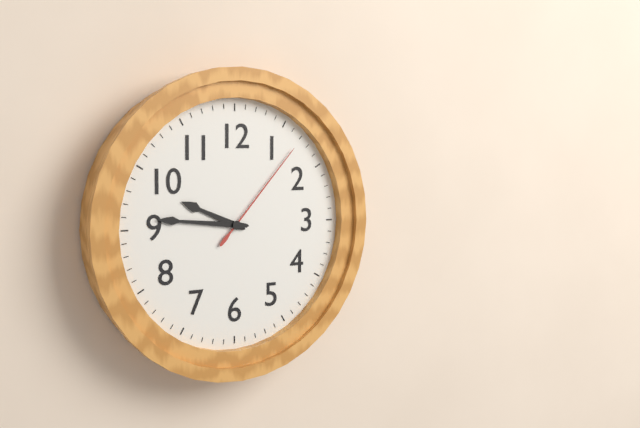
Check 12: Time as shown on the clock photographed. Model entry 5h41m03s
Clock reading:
9h46m07s
